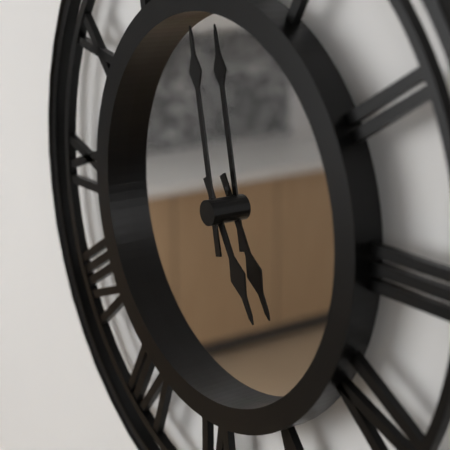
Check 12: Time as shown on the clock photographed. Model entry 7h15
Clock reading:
4h58
